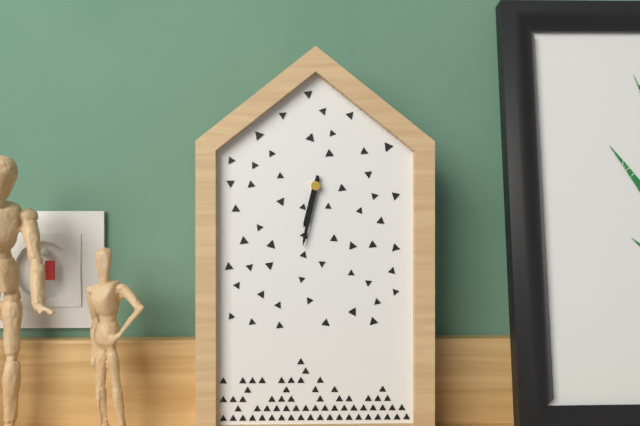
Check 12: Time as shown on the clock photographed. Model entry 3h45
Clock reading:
6h32
